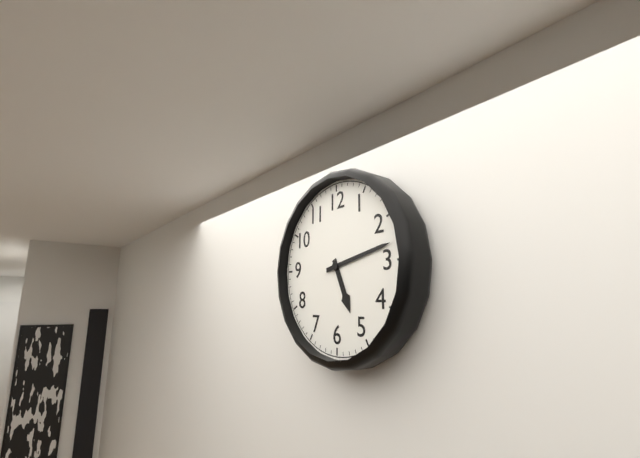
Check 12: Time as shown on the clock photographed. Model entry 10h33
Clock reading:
5h13
